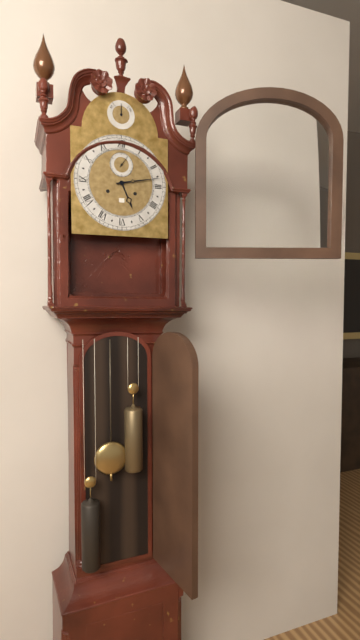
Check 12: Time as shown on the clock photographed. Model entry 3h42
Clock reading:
5h13
